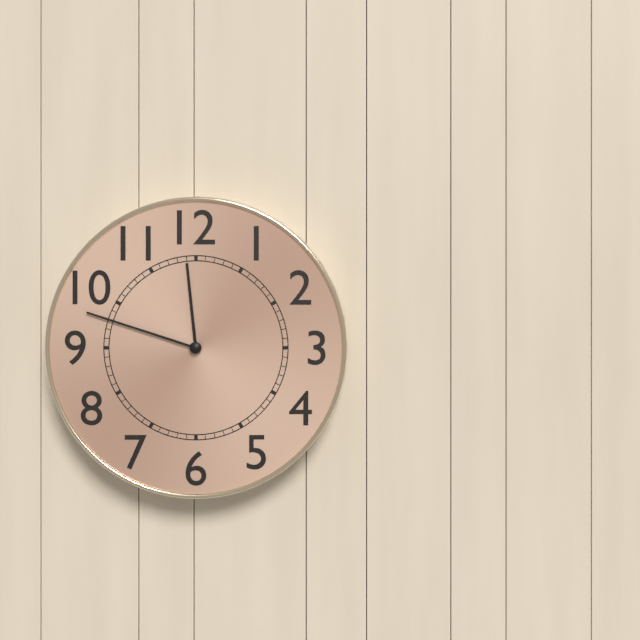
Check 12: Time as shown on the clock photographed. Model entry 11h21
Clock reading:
11h48
